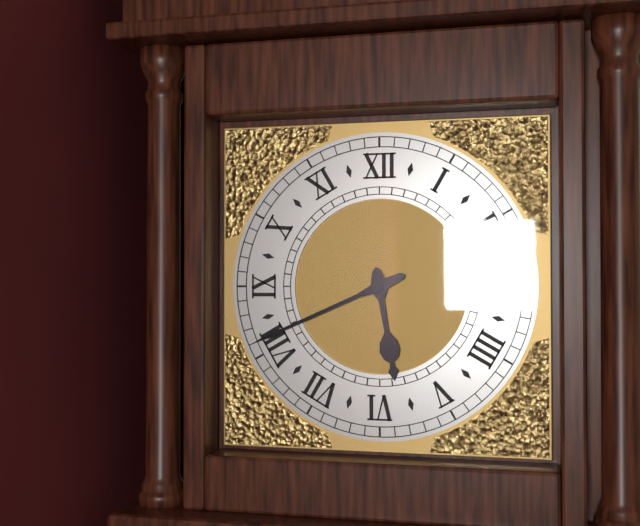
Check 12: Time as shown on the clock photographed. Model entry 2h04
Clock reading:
5h41
